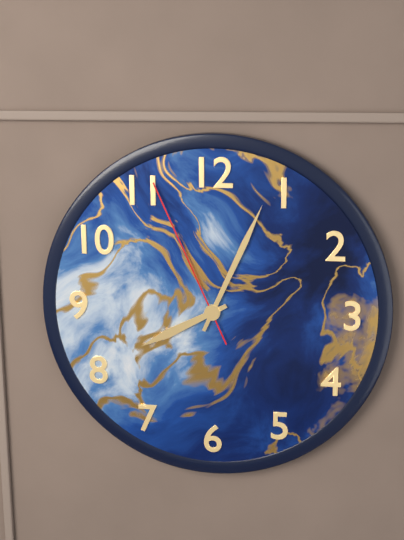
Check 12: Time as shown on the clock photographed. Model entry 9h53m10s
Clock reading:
8h04m56s
